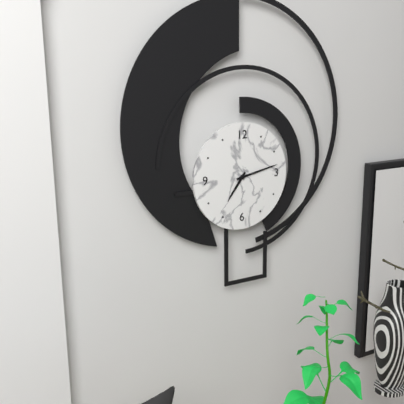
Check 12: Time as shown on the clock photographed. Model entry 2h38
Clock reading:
7h13
